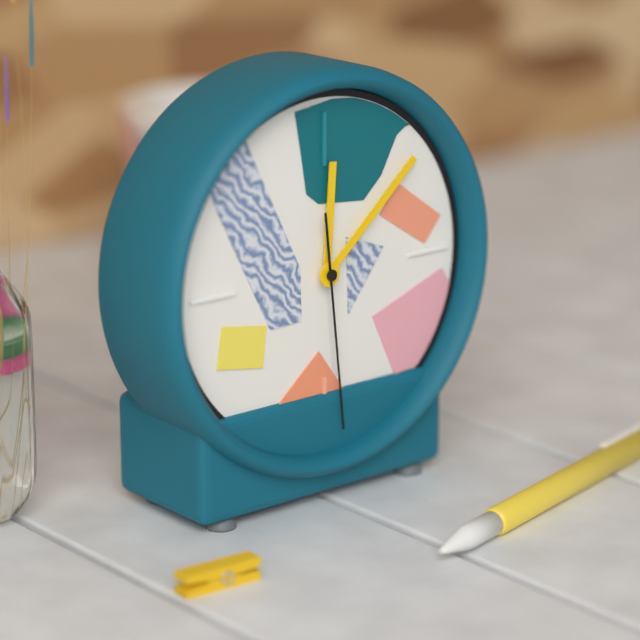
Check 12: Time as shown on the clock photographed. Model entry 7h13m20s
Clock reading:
12h08m29s
